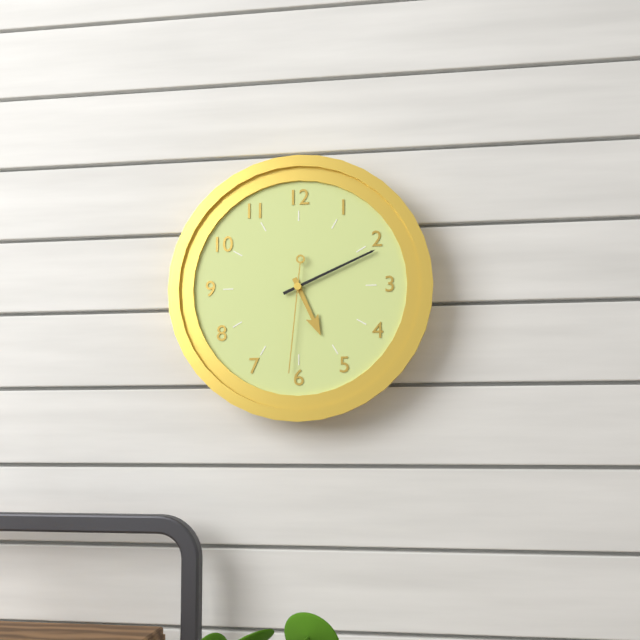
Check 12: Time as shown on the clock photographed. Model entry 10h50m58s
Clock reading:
5h11m31s
